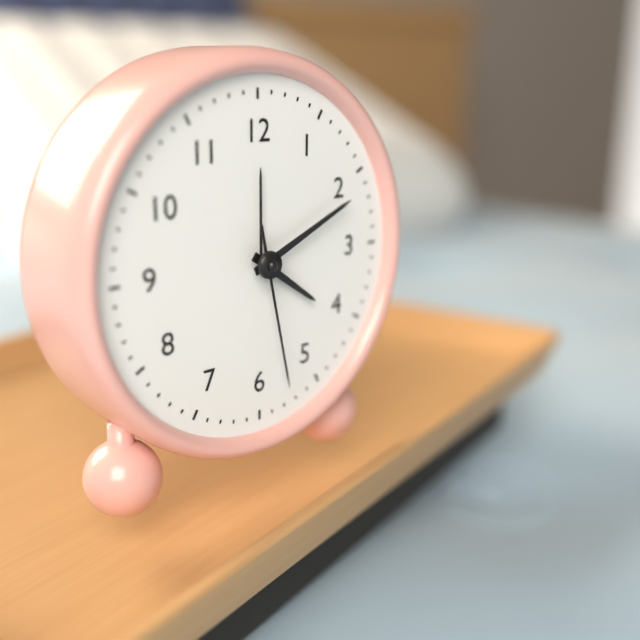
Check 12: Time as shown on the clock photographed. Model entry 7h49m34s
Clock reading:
4h11m28s
